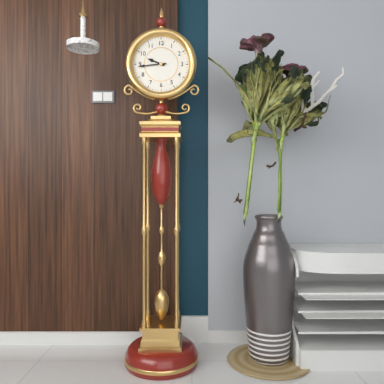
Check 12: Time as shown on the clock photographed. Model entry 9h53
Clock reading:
9h44
